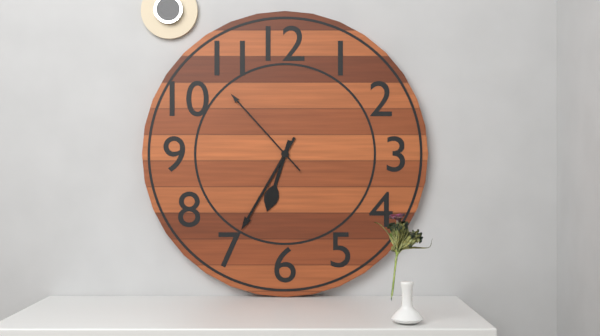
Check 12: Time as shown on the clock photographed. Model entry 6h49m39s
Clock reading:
6h35m53s
